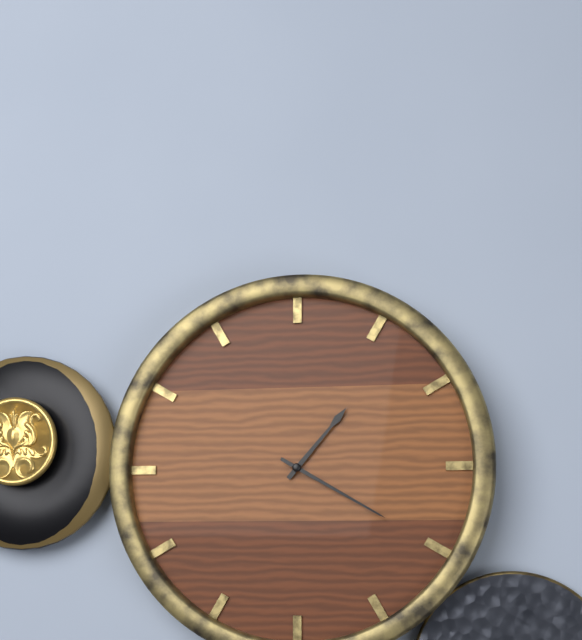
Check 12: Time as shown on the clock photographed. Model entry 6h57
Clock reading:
1h20
